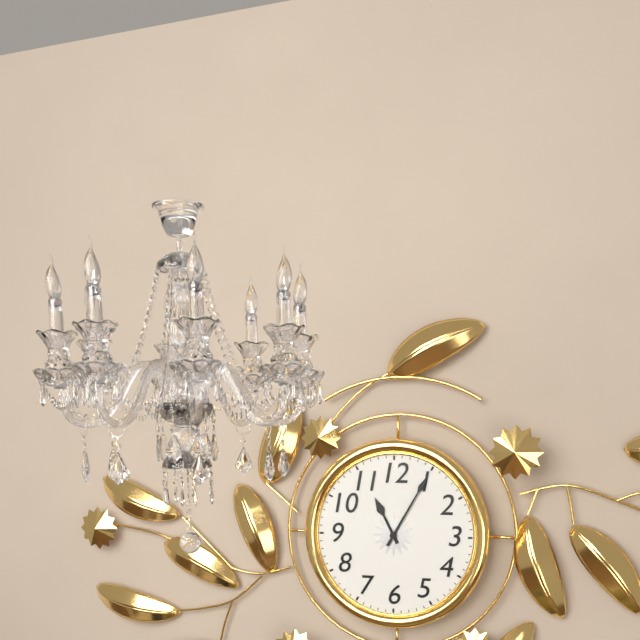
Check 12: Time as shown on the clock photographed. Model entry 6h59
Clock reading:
11h05
